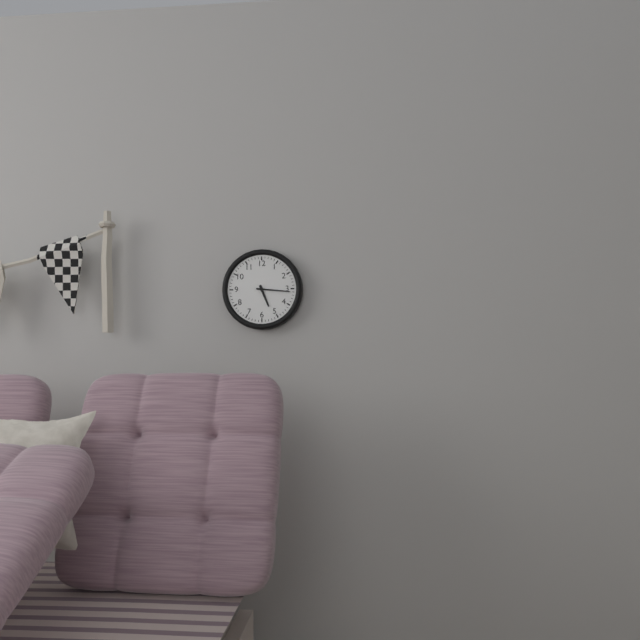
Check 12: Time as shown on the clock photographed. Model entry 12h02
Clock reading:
5h16
